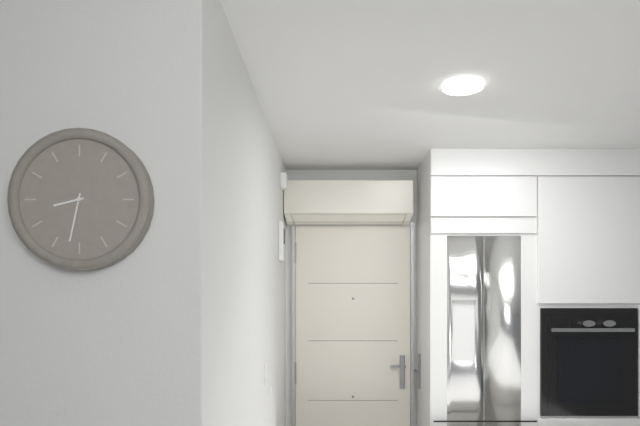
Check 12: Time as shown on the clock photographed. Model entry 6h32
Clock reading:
8h32
